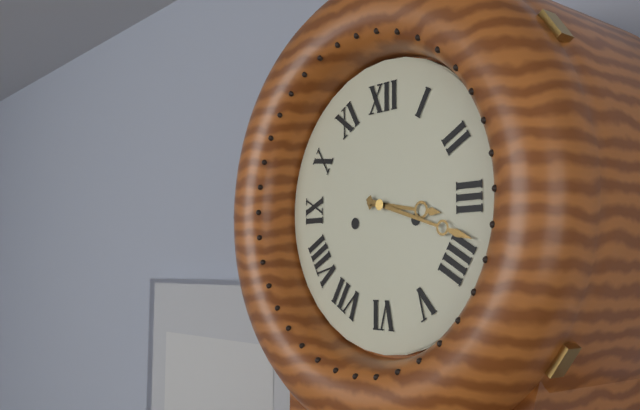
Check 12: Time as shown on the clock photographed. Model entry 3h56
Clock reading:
3h18
